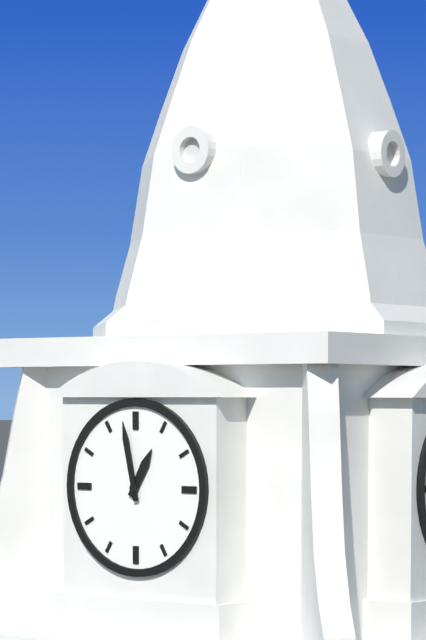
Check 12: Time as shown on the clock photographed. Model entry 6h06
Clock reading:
12h58
